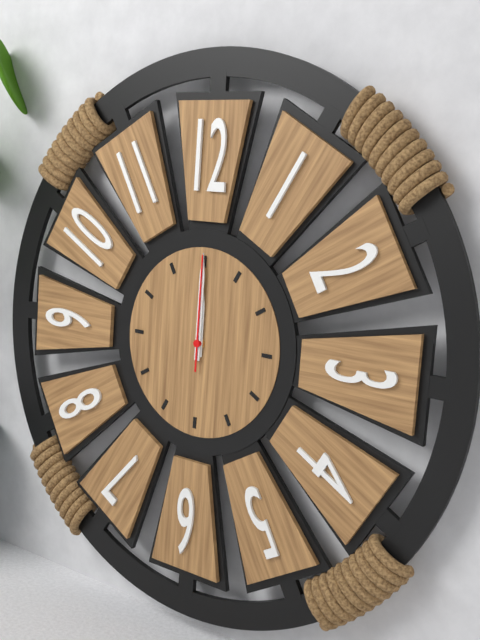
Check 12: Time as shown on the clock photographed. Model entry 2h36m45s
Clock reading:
12h00m00s
